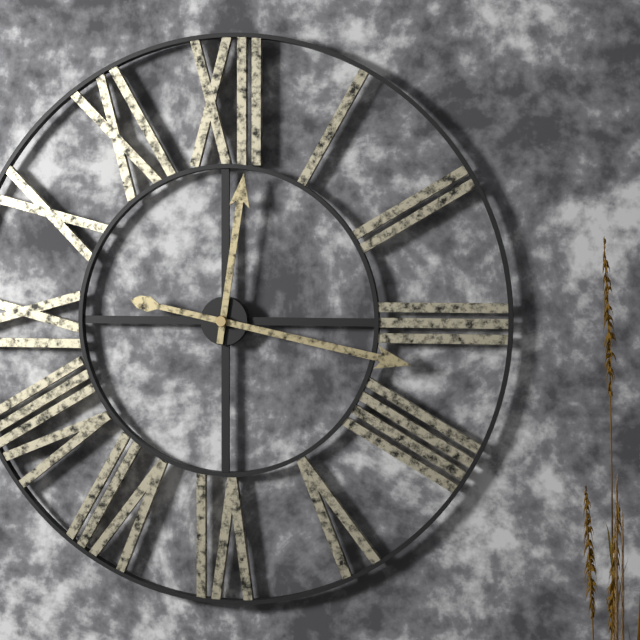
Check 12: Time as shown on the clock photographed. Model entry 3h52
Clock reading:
12h17
